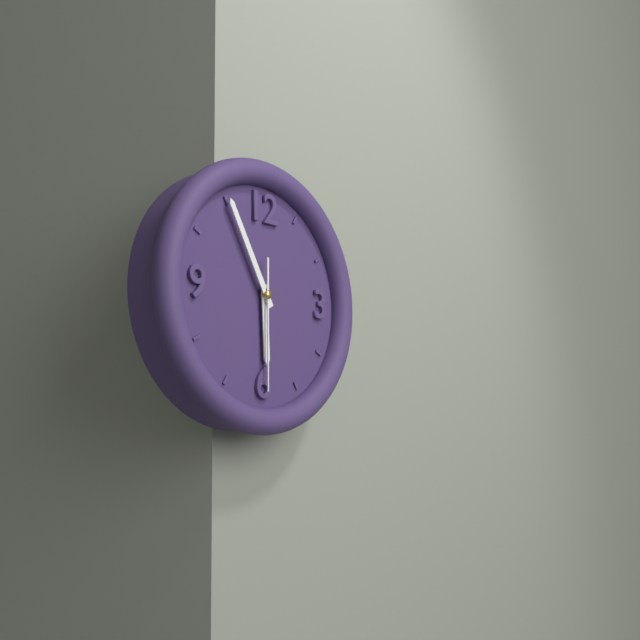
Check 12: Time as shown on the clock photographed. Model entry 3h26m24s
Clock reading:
5h55m30s
